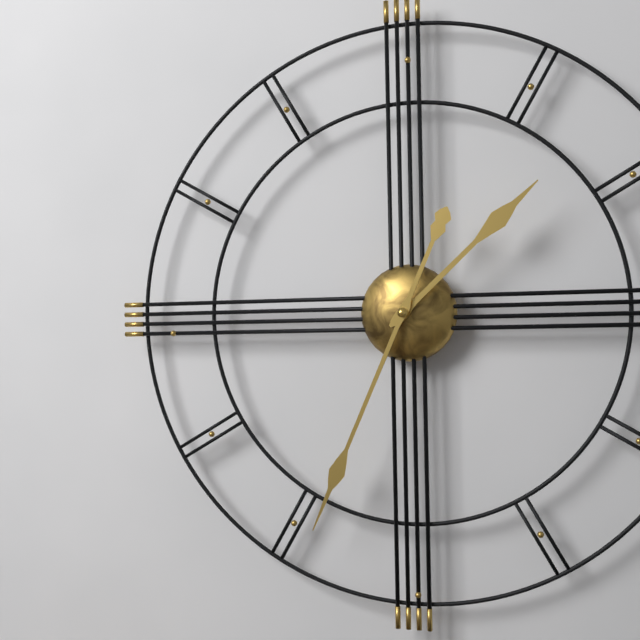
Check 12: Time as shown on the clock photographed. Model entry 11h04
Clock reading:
1h34
